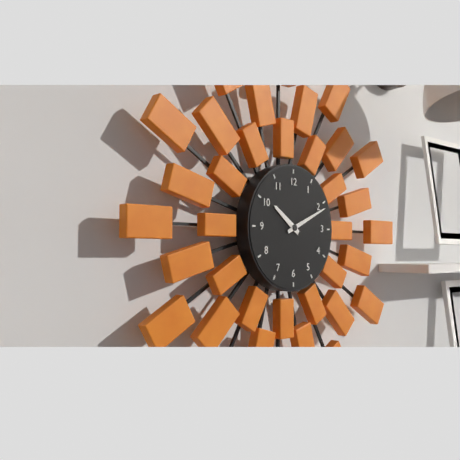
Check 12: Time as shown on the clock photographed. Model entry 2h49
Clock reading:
10h11
